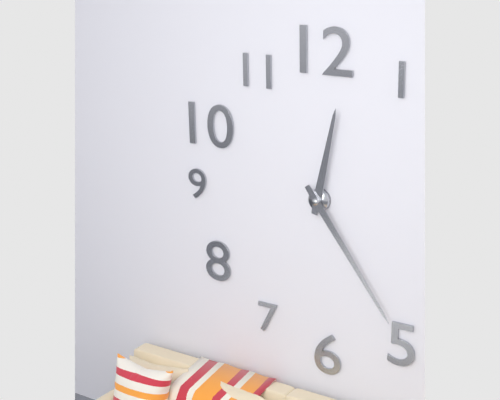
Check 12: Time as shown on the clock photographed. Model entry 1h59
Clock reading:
12h24
